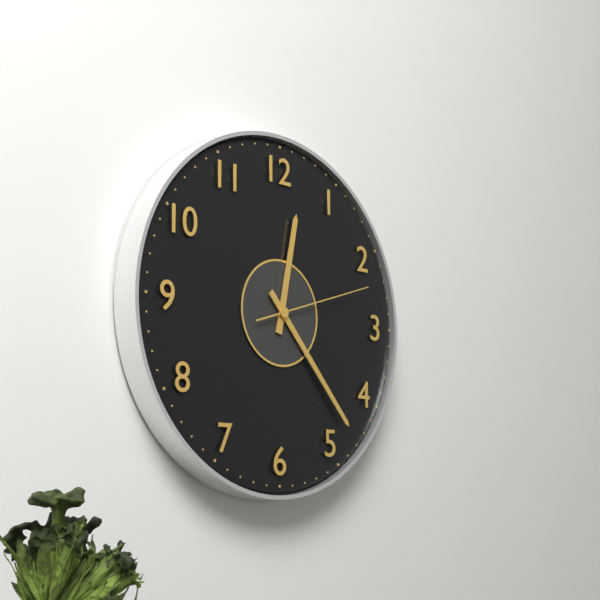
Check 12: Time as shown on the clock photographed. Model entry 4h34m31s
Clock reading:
12h23m12s
